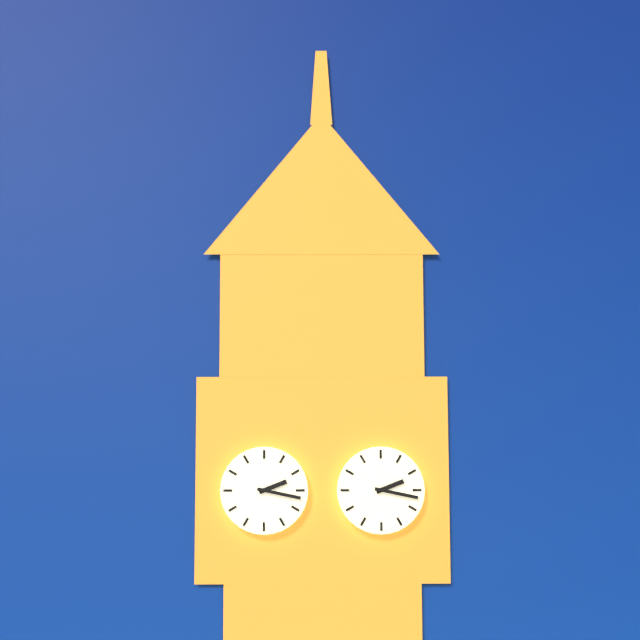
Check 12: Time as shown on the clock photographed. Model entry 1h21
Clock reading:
2h17
